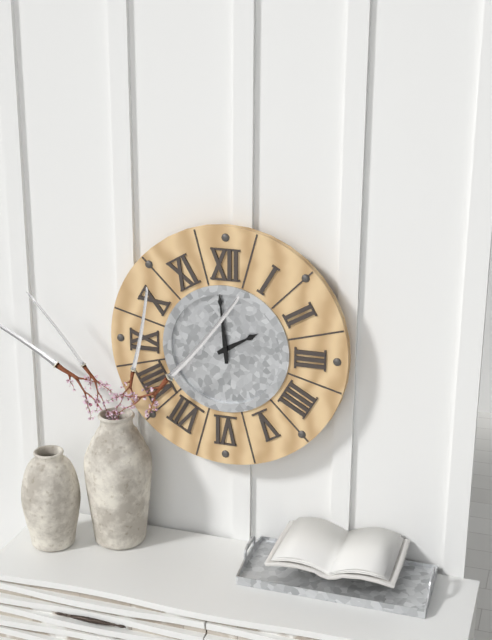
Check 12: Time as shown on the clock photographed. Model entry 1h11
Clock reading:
1h59
